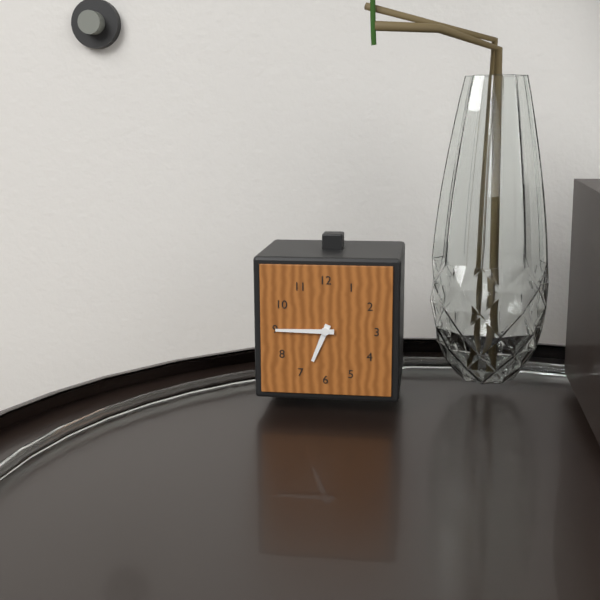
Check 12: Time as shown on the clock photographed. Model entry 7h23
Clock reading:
6h45
